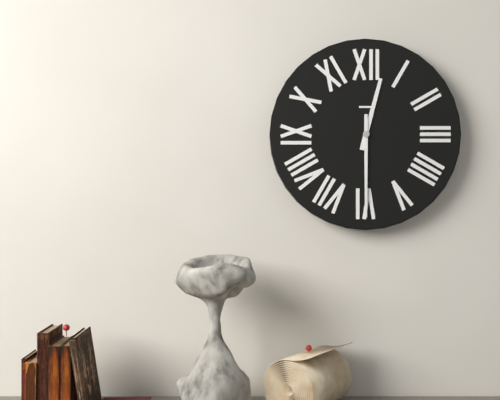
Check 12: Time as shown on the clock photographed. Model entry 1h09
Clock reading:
12h30
